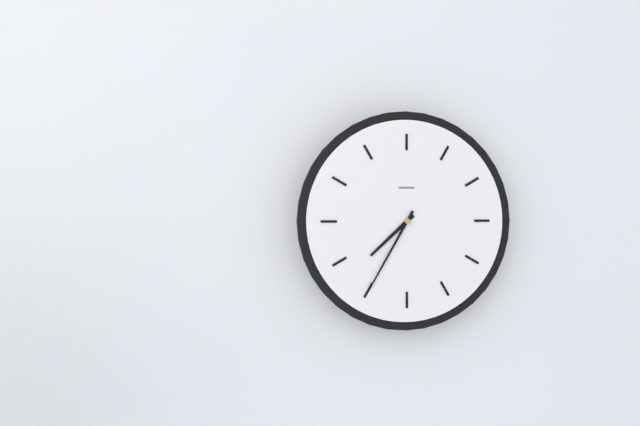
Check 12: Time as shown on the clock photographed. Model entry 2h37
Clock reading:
7h35
